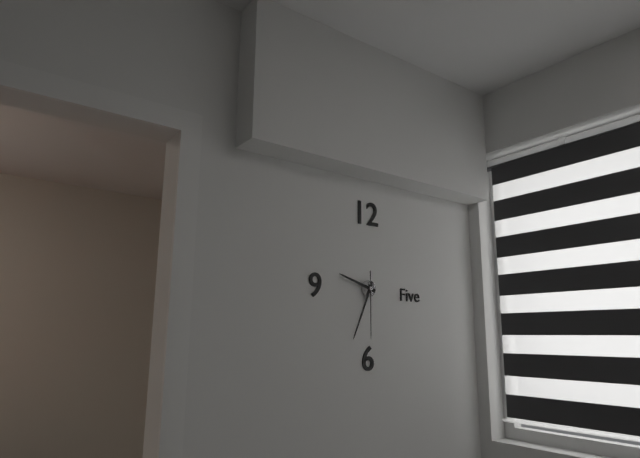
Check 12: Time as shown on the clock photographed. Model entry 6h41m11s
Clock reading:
9h34m30s
